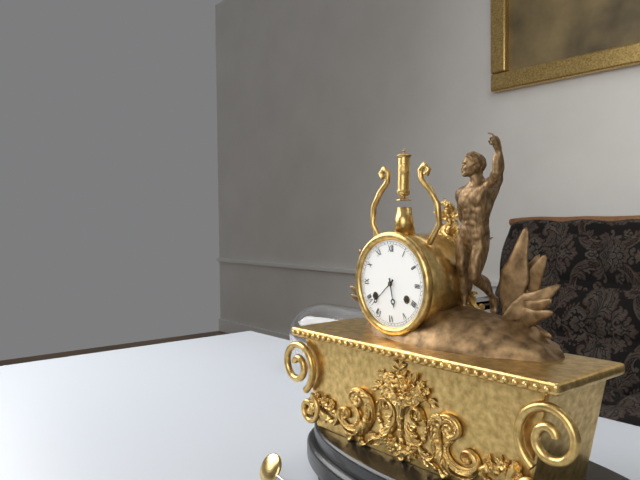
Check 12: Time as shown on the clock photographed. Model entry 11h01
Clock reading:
5h38
